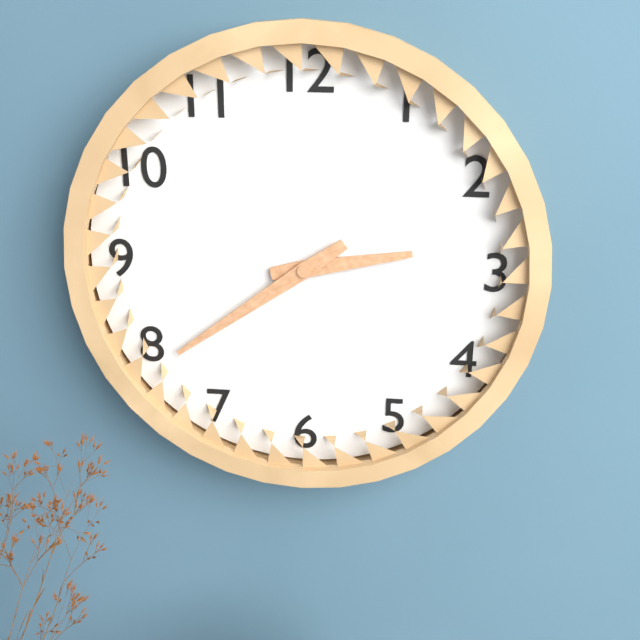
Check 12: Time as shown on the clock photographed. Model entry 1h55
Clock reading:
2h39
